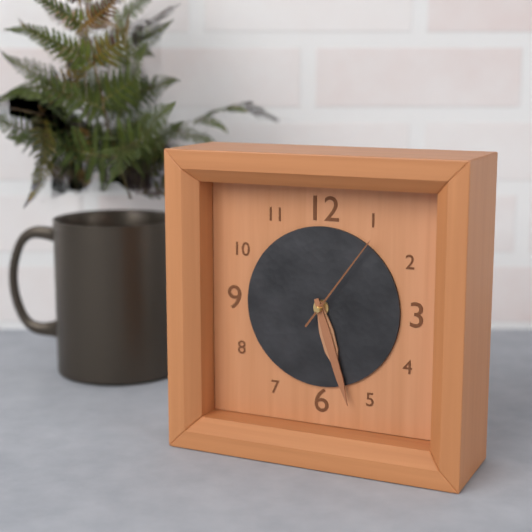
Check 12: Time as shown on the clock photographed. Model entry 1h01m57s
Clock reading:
5h27m06s
